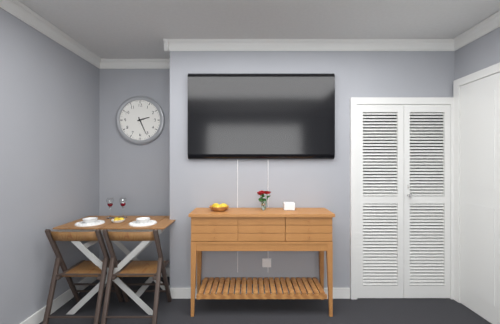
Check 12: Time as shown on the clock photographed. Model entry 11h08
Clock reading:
2h26
